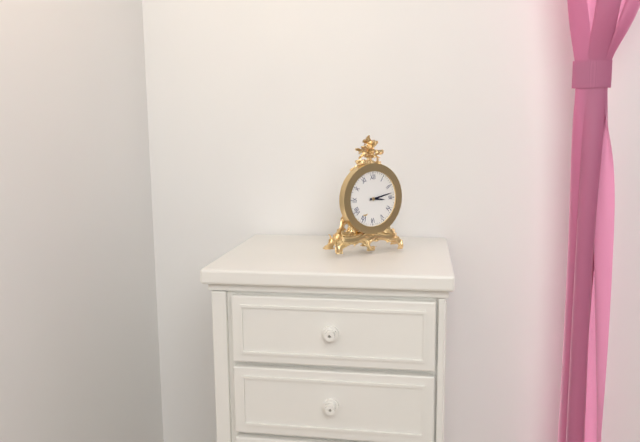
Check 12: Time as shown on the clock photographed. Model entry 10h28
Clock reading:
3h13
